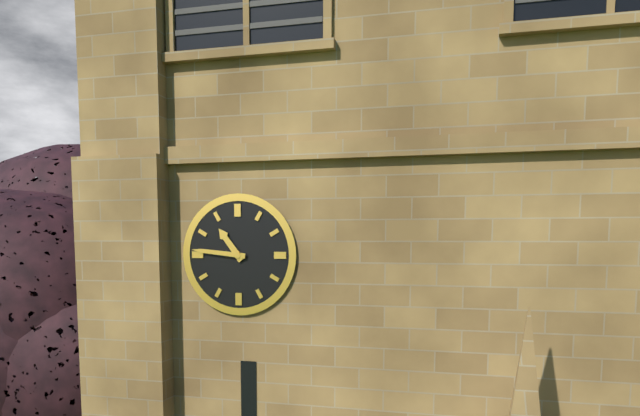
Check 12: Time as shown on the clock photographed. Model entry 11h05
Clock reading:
10h46
